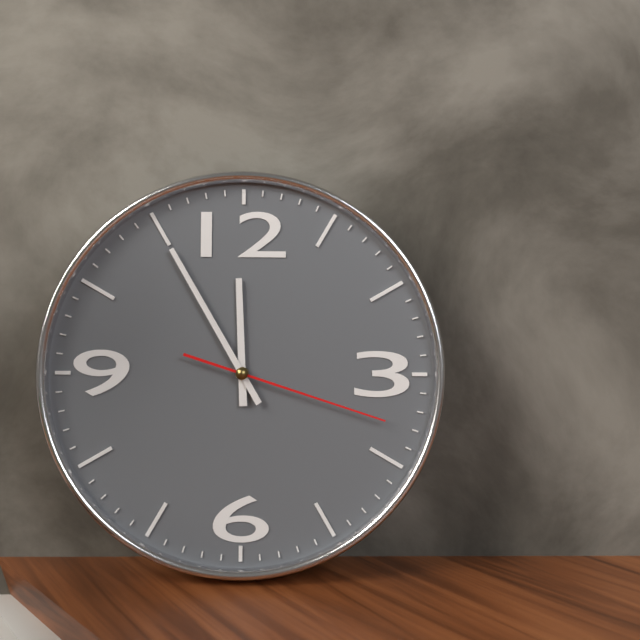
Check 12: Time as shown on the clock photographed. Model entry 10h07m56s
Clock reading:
11h55m18s
